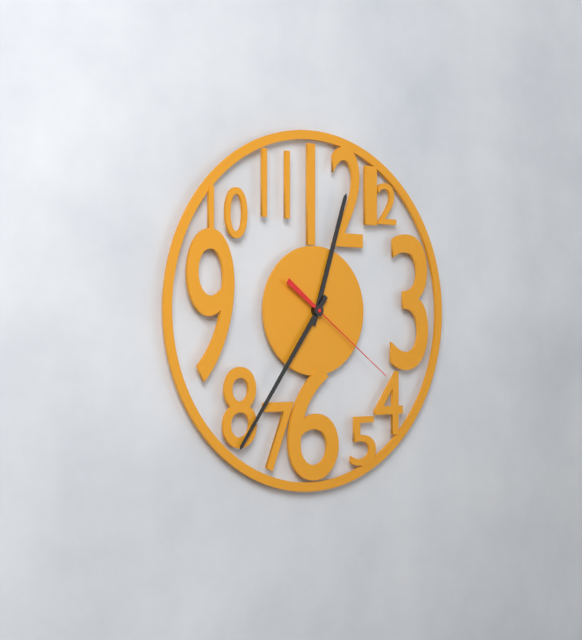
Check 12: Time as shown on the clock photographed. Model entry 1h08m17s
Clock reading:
12h36m21s
